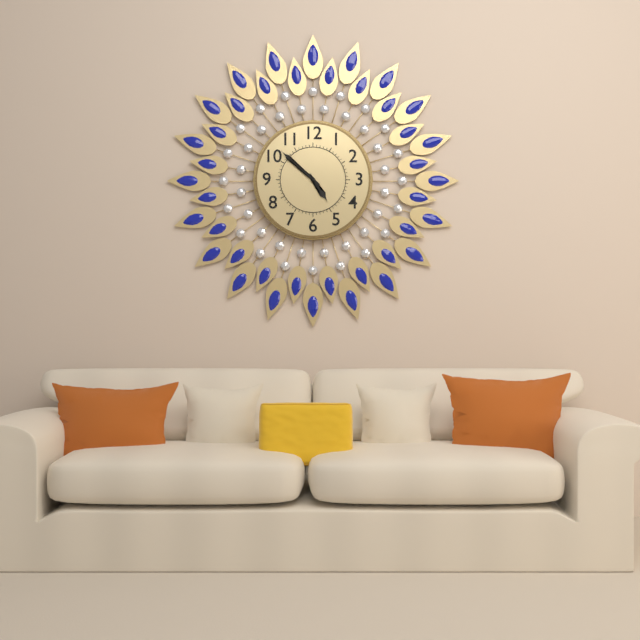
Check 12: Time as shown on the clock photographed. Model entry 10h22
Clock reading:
4h52
